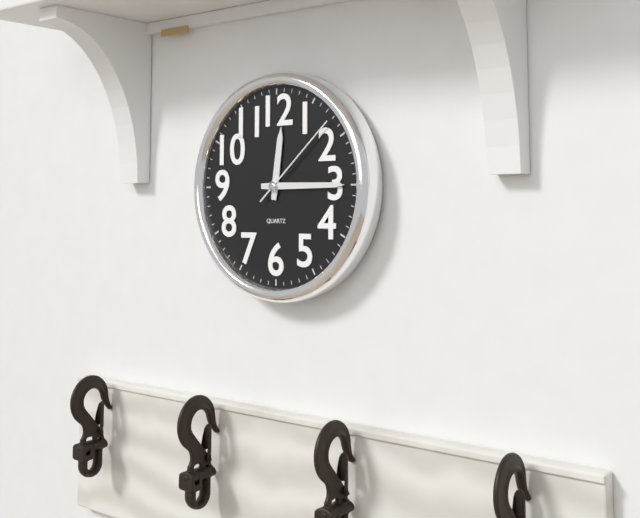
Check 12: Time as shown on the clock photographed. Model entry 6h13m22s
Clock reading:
12h15m08s
